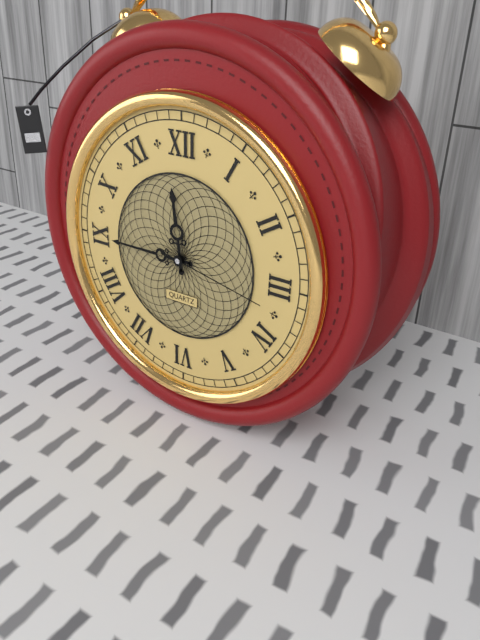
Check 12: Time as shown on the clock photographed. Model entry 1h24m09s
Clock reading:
11h45m17s
